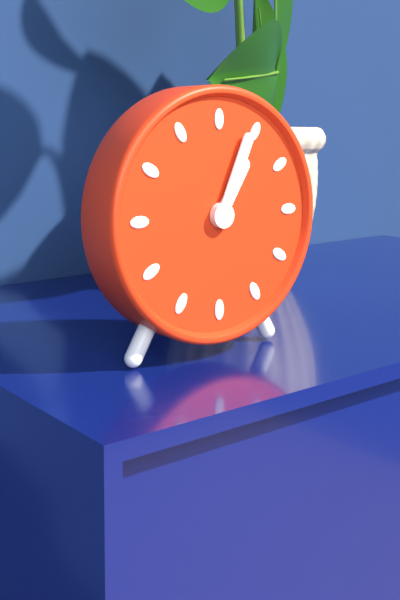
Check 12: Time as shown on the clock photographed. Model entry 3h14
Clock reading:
1h04
